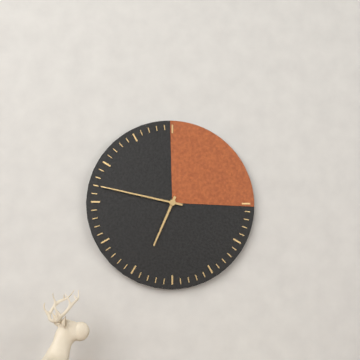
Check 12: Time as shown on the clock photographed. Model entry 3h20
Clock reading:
6h47
